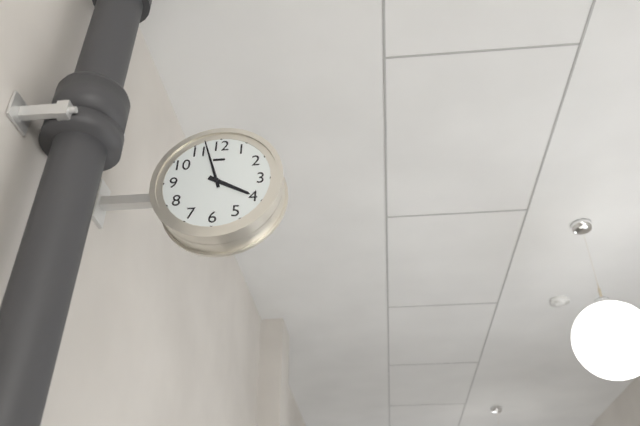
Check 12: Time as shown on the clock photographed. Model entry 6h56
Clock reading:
3h57
